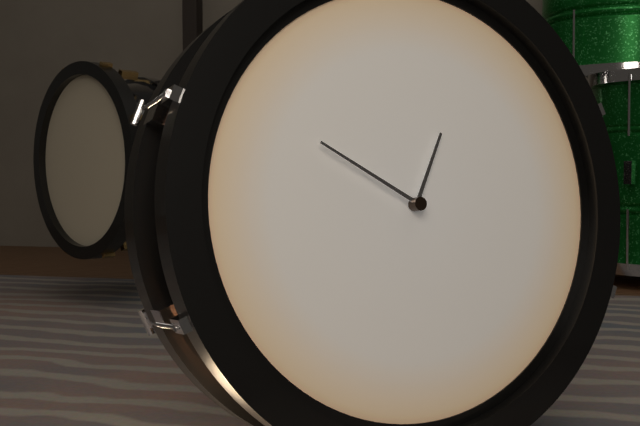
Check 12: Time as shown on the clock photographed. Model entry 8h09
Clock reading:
12h50
